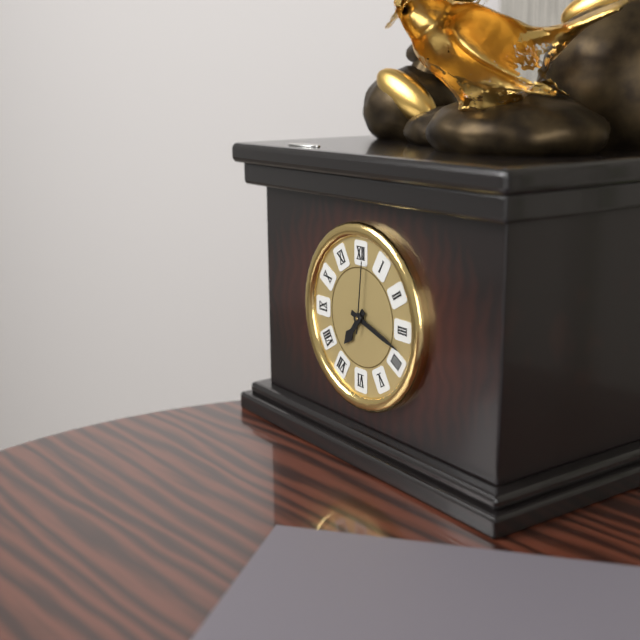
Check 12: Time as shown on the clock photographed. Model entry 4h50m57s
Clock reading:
7h18m01s
